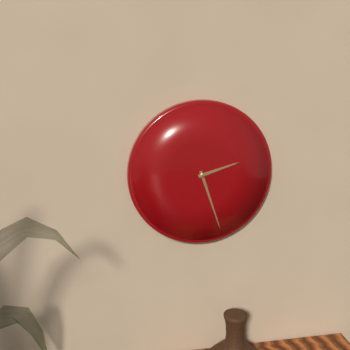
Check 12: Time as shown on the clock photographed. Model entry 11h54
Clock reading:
2h27
